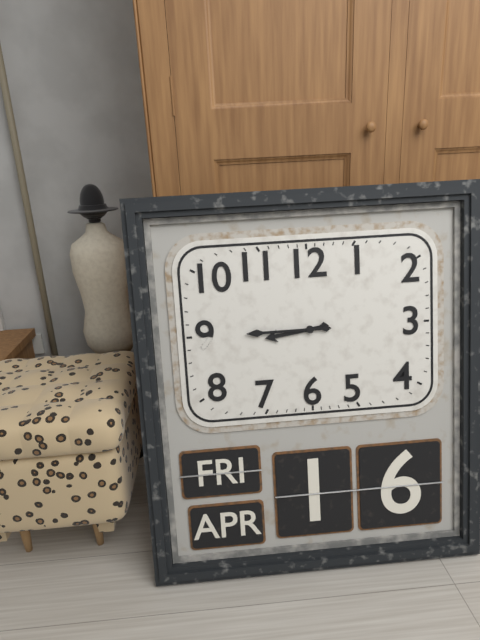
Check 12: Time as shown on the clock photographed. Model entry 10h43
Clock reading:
8h45
